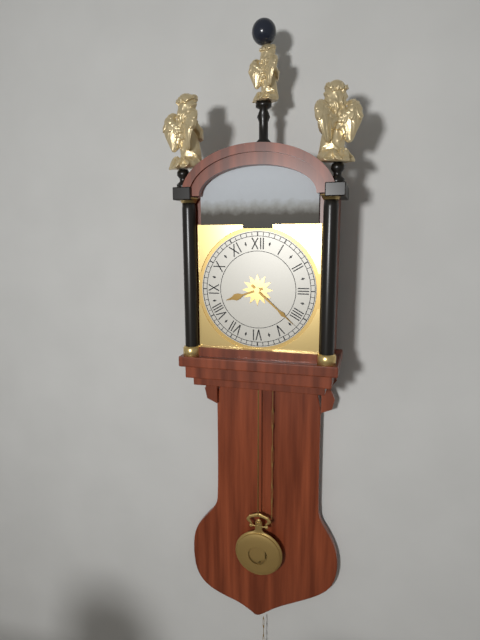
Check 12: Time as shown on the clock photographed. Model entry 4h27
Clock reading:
8h22
